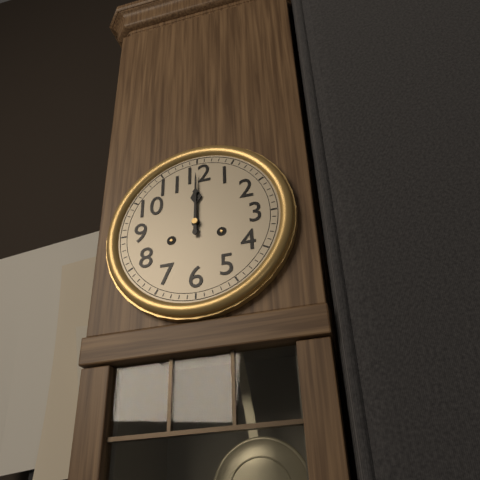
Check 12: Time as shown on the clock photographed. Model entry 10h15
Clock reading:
12h00
